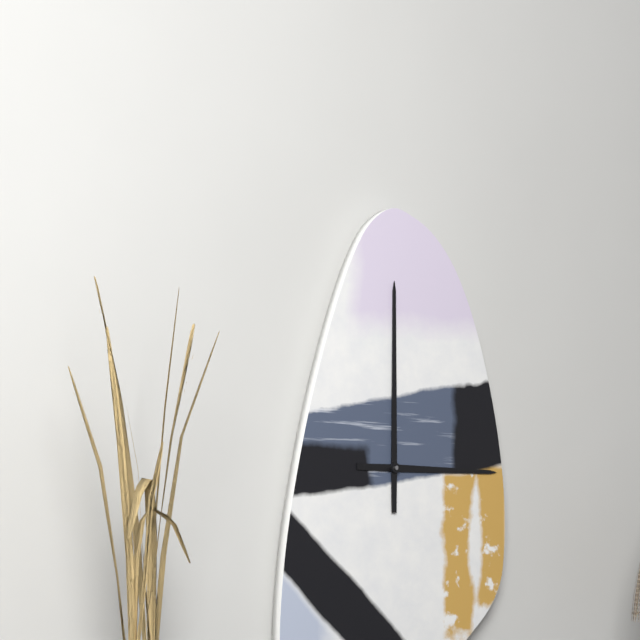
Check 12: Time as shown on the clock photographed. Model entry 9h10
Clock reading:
3h00
